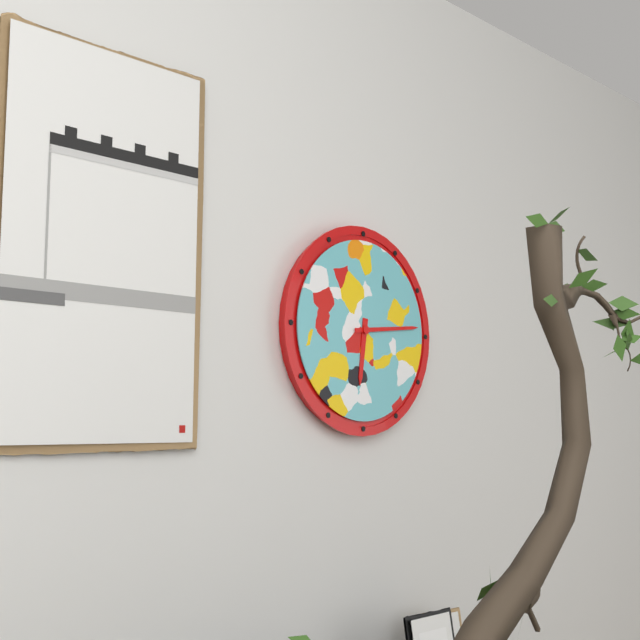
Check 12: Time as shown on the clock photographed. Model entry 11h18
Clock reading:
6h14
